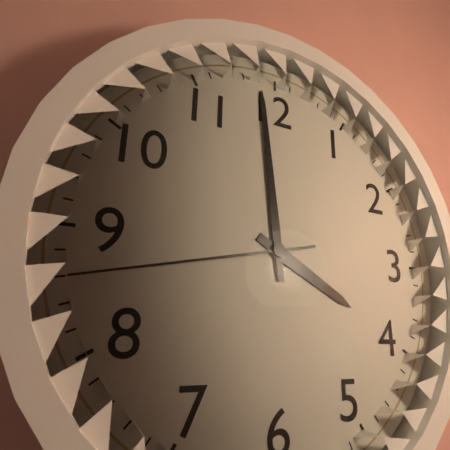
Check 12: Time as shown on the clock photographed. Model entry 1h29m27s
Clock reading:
3h59m43s
